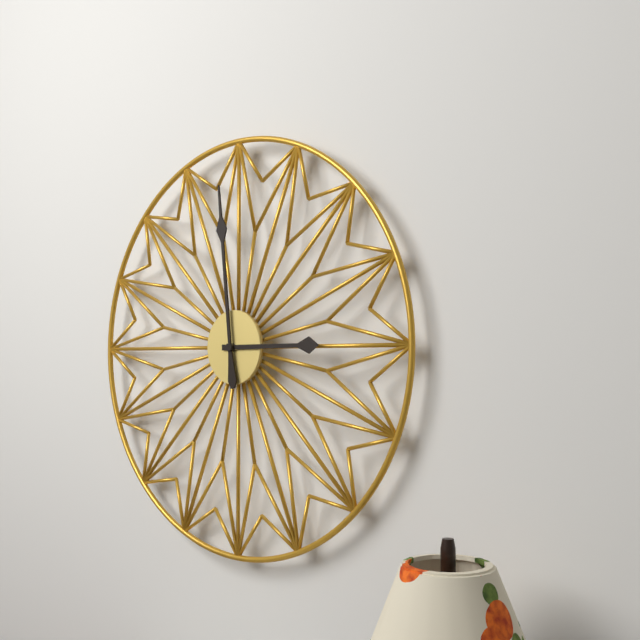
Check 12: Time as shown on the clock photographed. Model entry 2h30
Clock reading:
2h59
